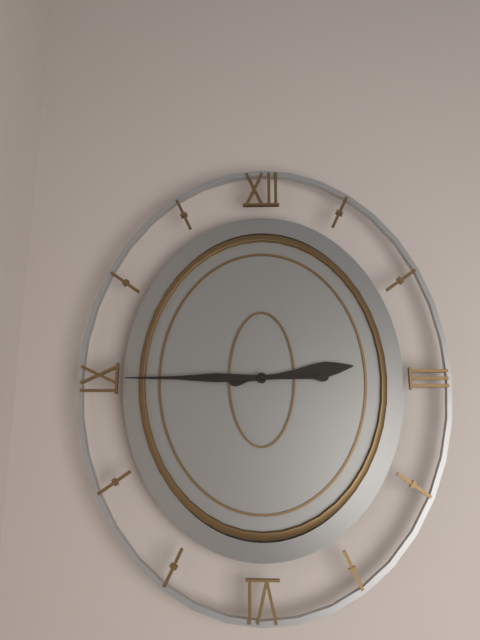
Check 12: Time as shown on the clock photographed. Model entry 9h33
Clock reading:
2h45
